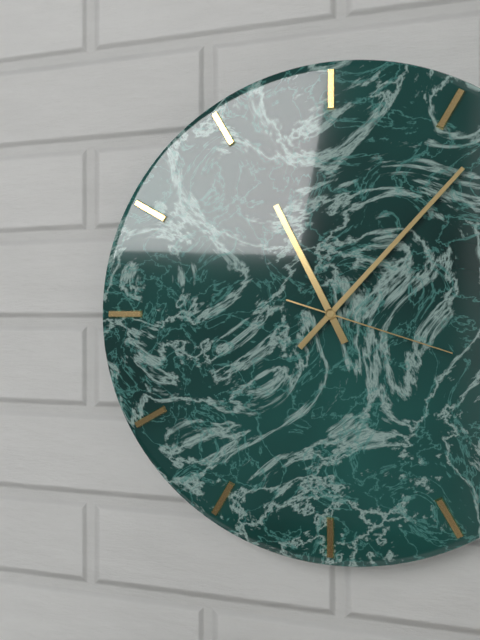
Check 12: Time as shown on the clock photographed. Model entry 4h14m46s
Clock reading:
11h07m18s
